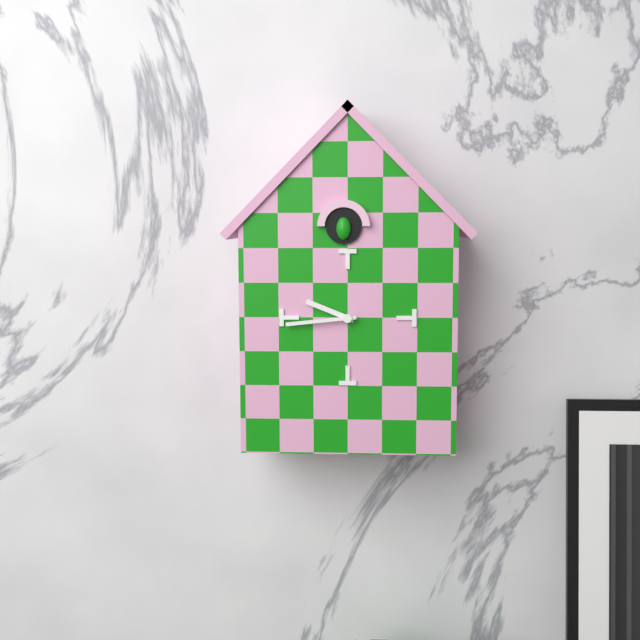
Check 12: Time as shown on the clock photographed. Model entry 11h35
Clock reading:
9h44
